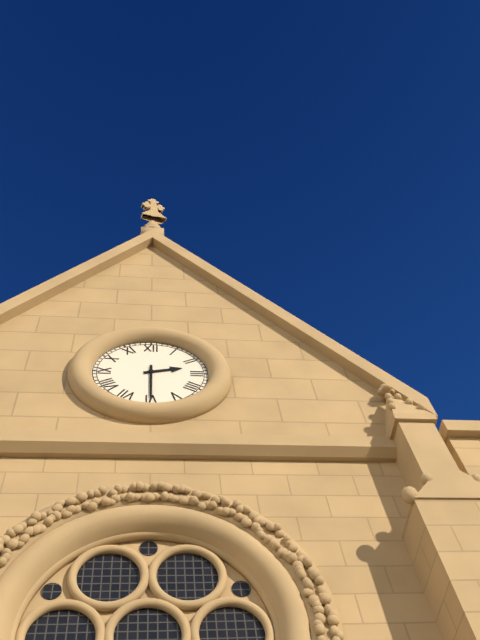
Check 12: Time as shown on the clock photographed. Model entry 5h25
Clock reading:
2h30
